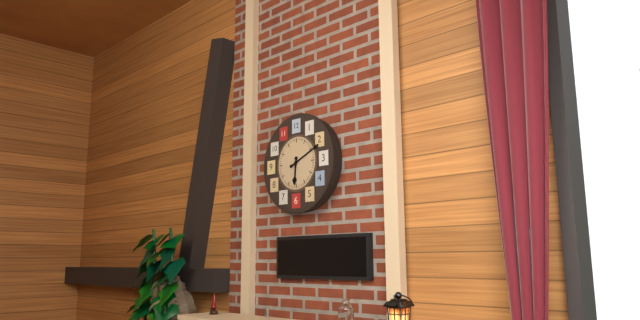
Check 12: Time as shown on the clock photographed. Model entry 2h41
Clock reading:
6h11
